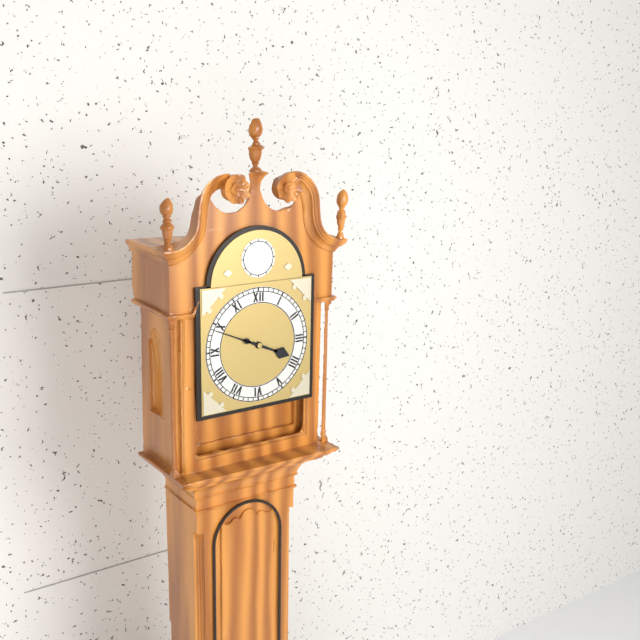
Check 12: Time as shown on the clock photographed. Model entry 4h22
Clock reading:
3h49
